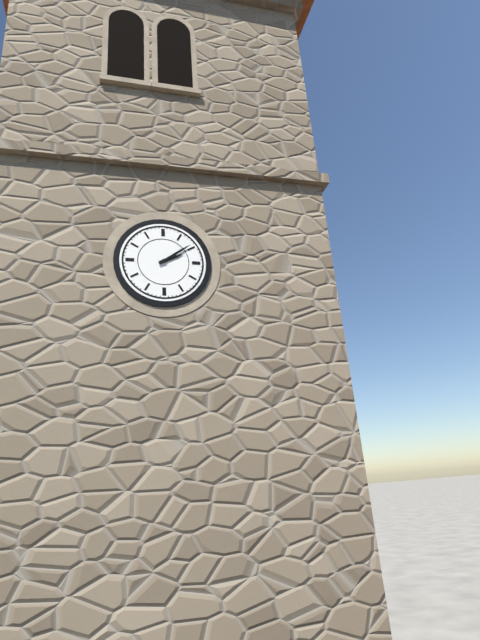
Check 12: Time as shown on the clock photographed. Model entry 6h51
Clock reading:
2h09
